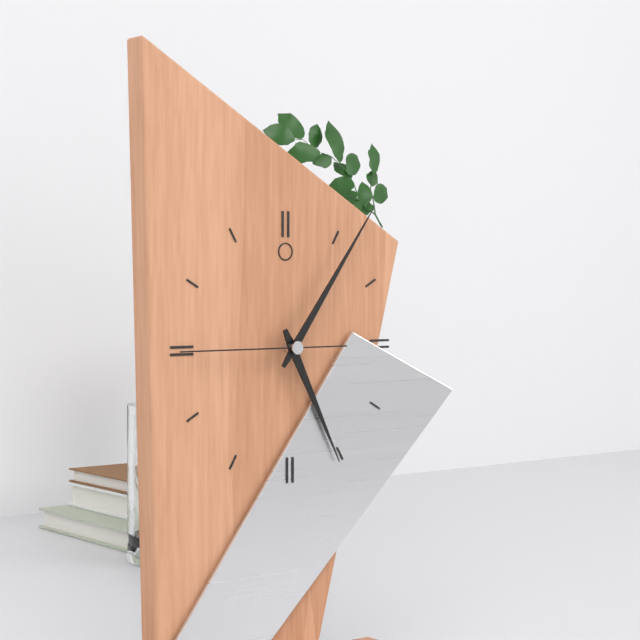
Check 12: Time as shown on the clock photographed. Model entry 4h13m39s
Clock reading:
5h06m45s
